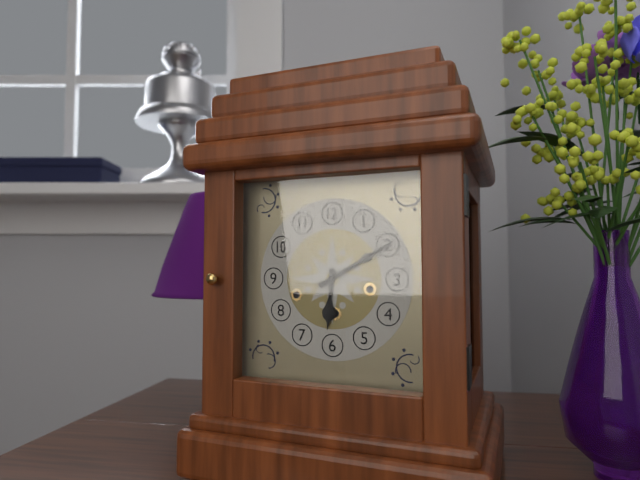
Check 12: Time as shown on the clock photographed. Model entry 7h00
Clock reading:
6h10
